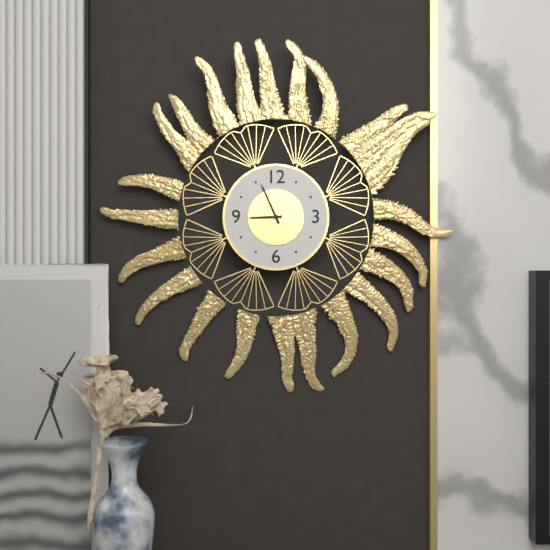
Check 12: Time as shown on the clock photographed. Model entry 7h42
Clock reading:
8h56
